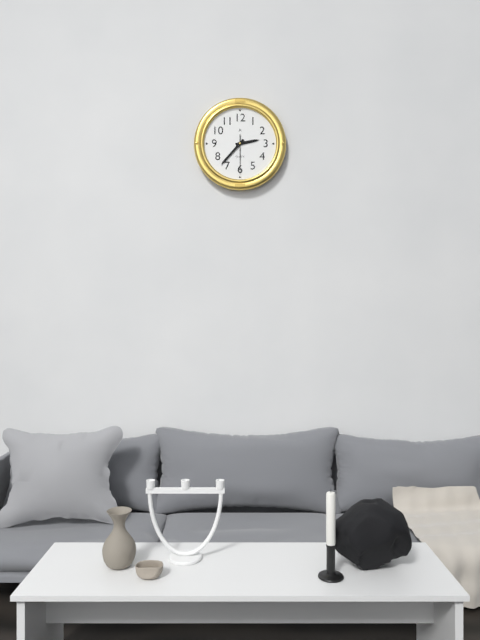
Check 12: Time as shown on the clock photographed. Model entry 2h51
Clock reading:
2h37
